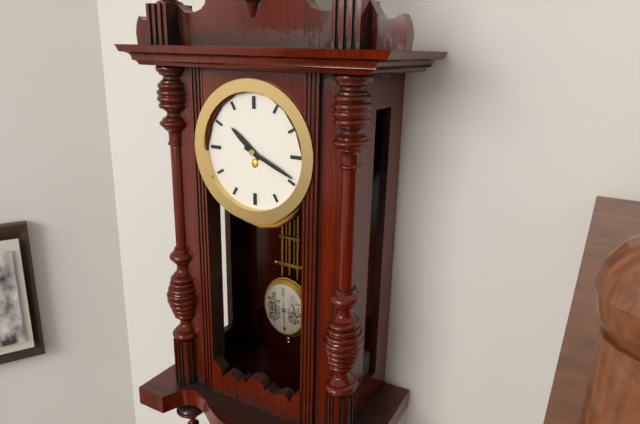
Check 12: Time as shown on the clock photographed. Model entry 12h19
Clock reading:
10h19
